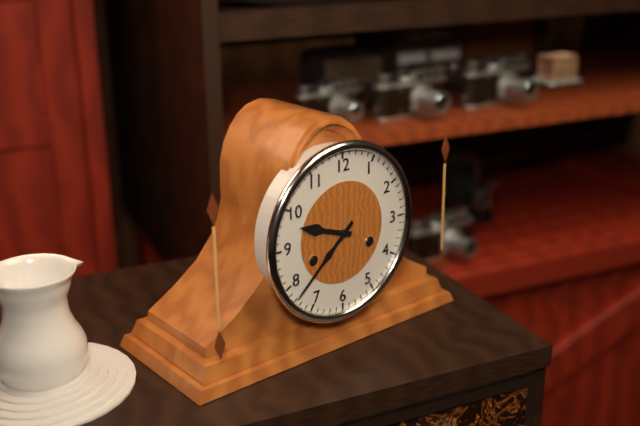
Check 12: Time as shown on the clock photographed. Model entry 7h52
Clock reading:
9h38
